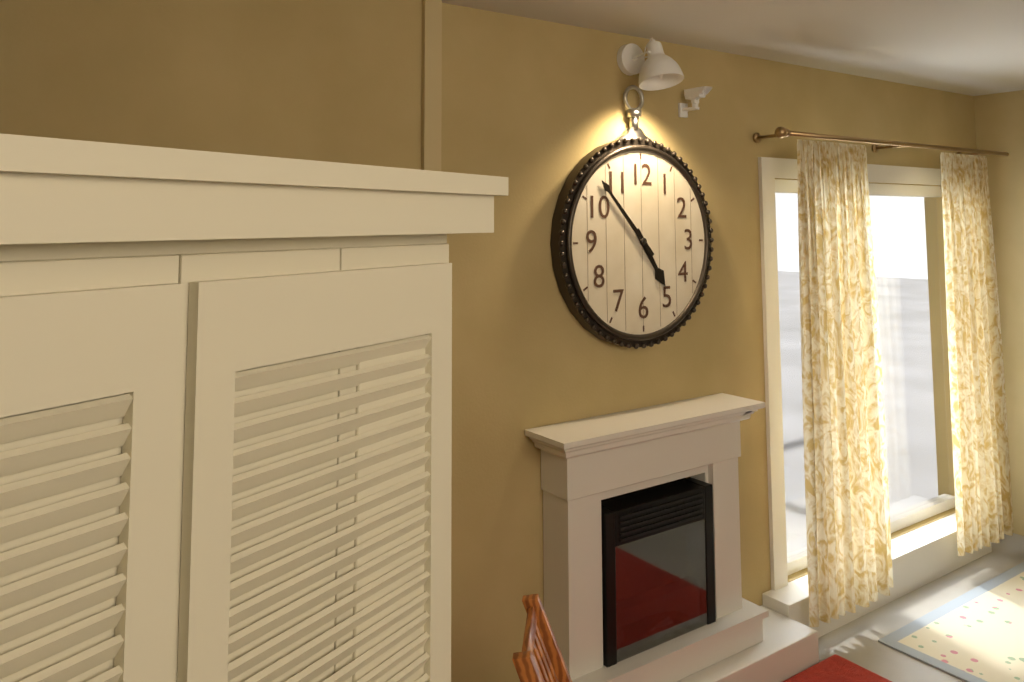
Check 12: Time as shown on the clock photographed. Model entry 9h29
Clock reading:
4h53
